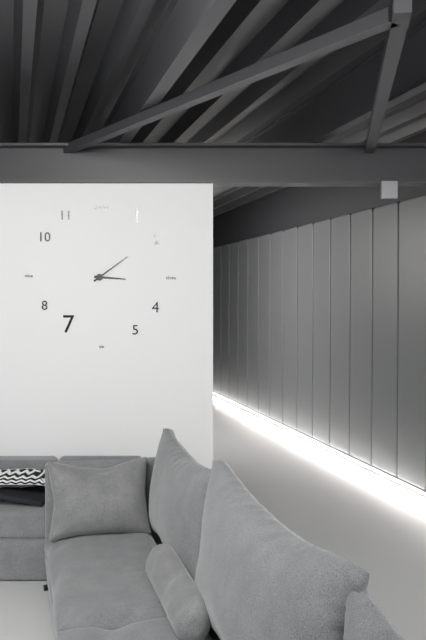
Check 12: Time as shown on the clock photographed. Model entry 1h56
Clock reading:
3h09
